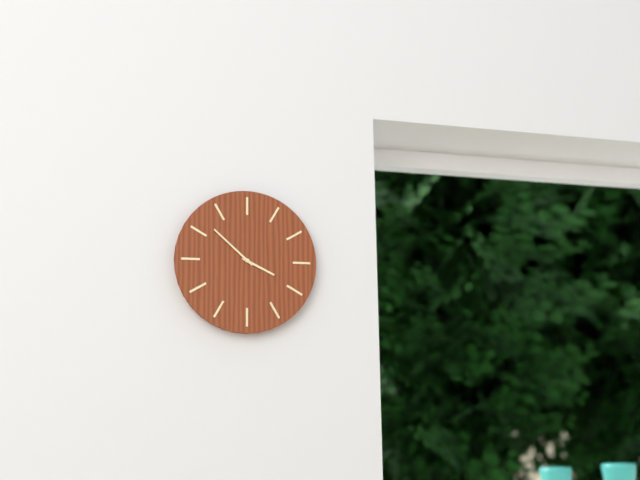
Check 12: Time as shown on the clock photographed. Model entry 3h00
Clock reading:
3h52
